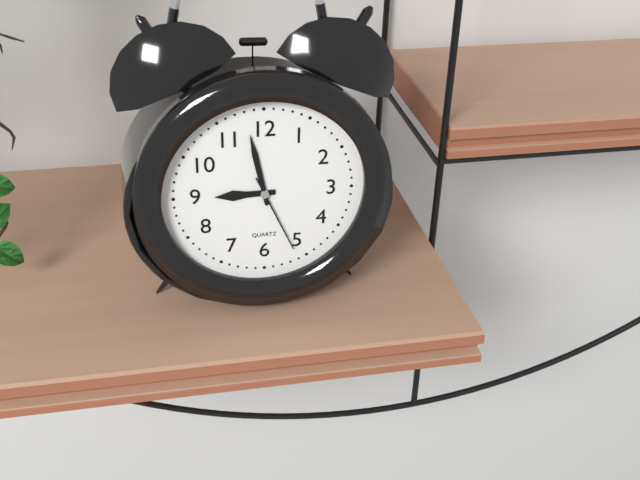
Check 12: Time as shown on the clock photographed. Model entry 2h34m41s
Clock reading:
8h58m26s
